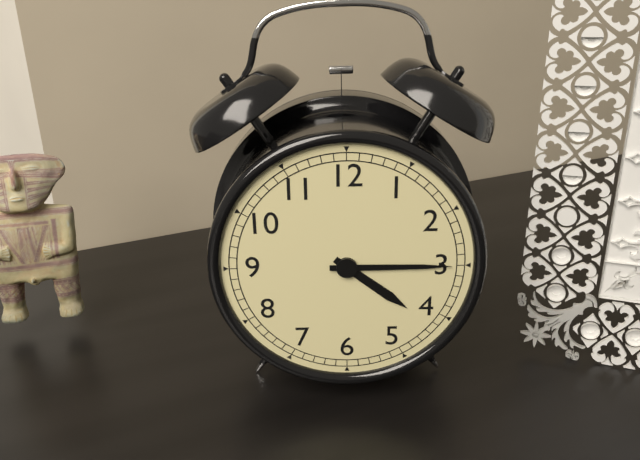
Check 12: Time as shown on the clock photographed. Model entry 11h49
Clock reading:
4h15
